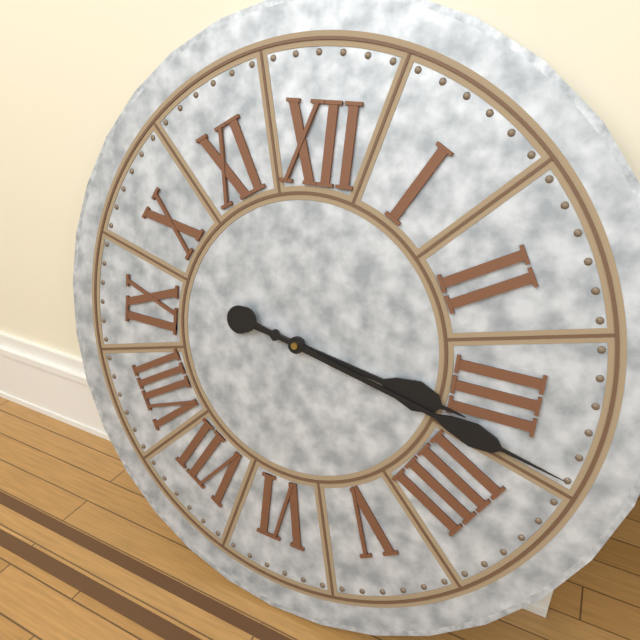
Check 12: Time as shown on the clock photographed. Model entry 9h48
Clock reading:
3h17
